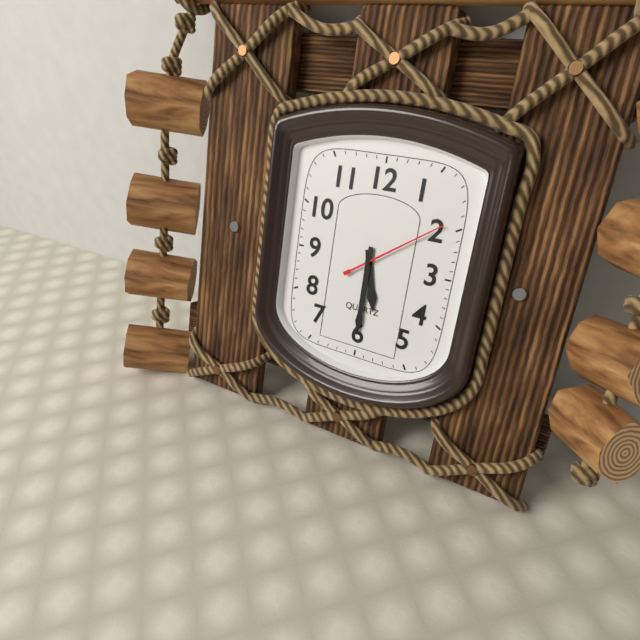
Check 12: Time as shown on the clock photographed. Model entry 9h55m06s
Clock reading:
5h30m09s
